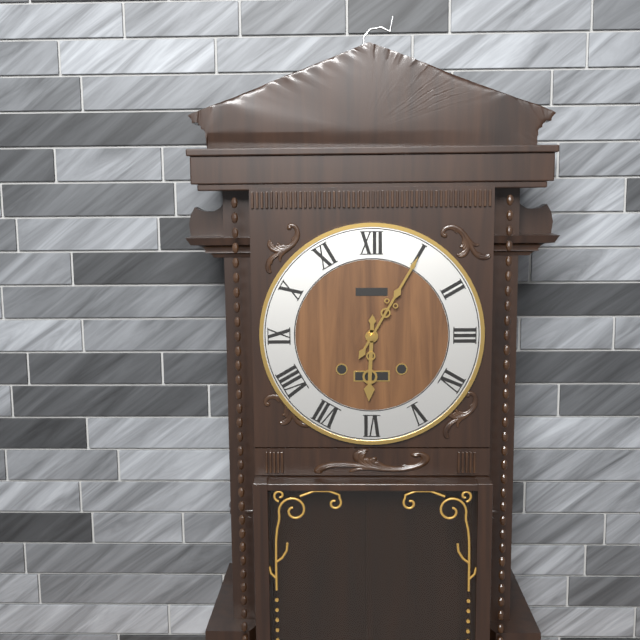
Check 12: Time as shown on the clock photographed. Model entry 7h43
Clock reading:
6h05
